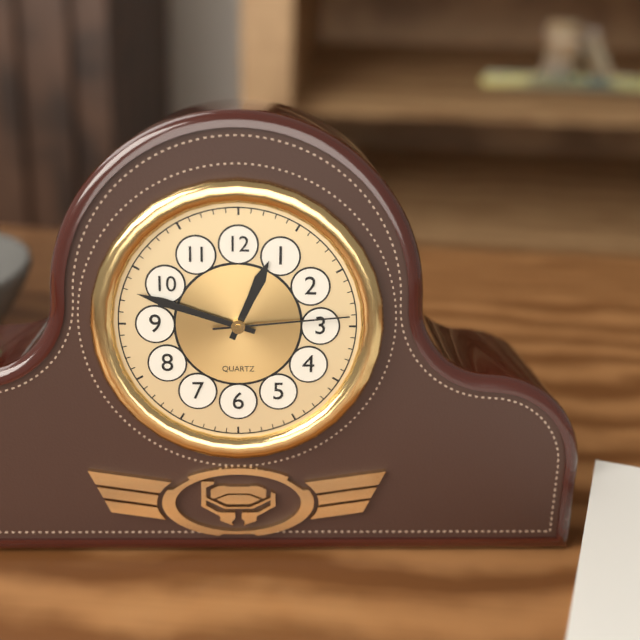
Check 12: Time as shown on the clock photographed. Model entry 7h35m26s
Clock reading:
12h48m14s
